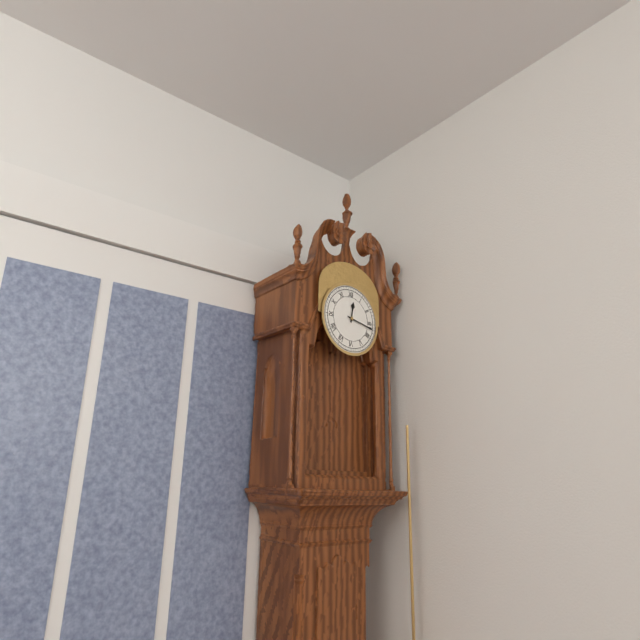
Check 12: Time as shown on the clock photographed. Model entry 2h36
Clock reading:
12h17
